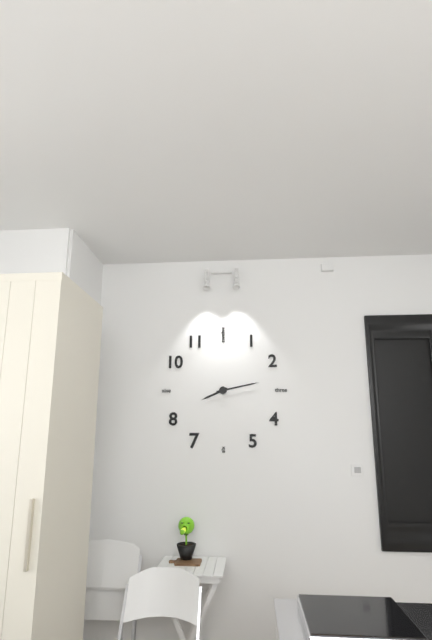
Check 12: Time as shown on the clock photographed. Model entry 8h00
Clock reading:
8h13
